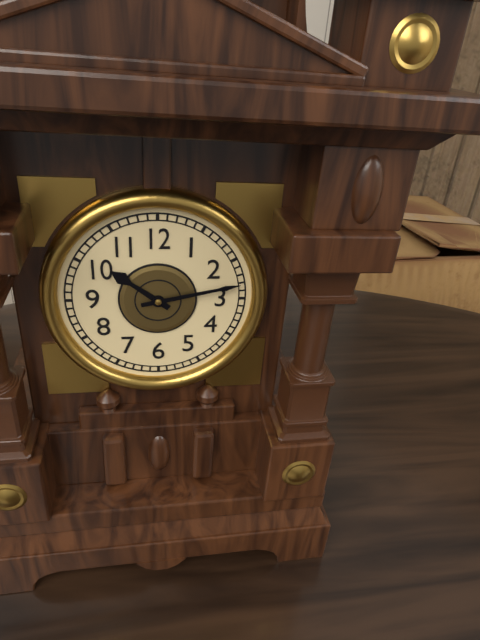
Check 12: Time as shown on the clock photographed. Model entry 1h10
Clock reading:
10h13
